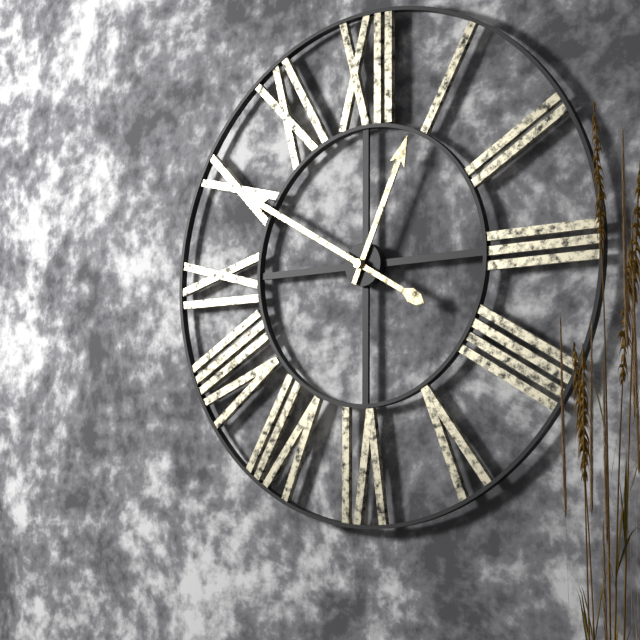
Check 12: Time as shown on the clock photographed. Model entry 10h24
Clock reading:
12h50
